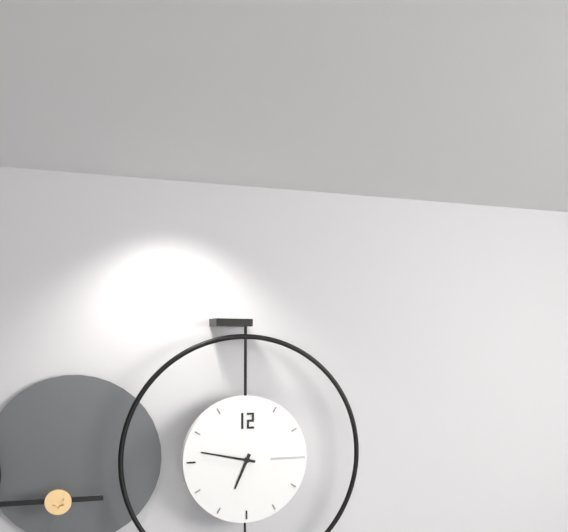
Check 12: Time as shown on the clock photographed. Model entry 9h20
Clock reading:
6h47
